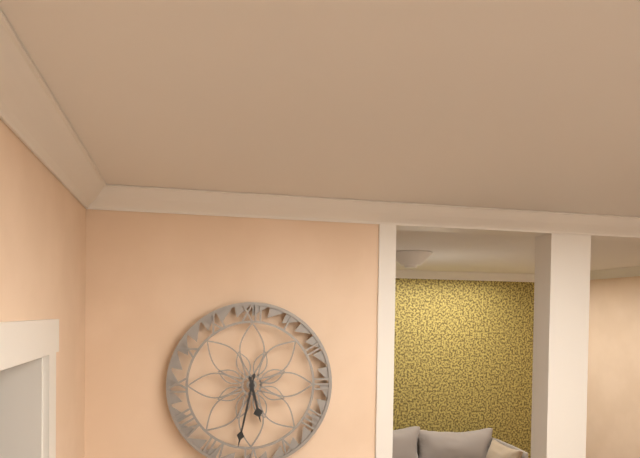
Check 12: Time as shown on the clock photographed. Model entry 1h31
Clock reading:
5h32
